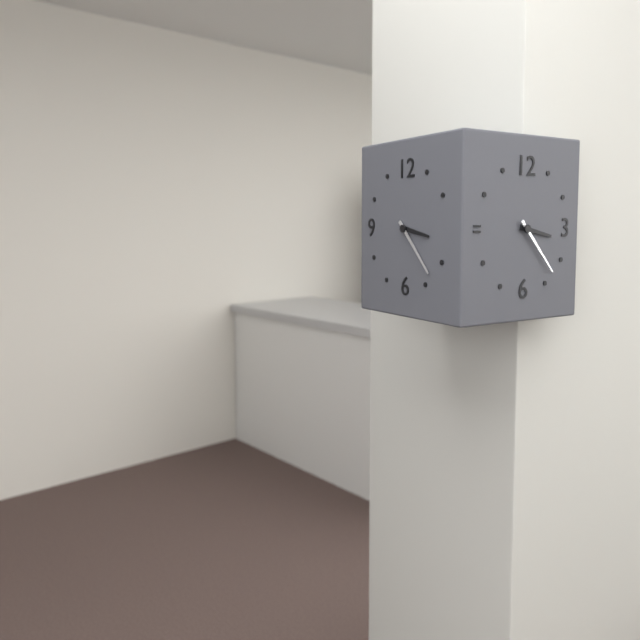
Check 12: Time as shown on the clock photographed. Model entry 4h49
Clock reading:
3h23
